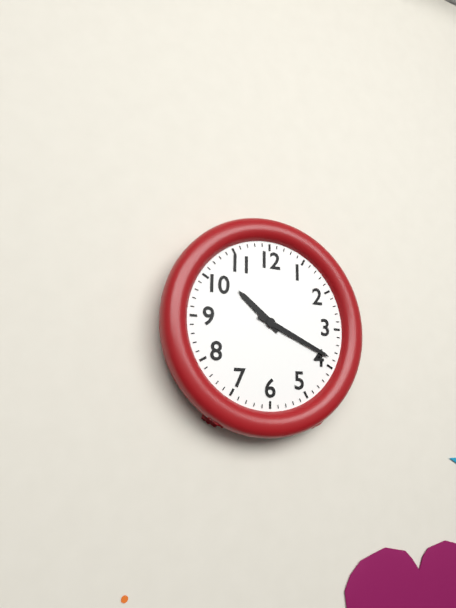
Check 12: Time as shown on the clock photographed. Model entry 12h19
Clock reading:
10h19
